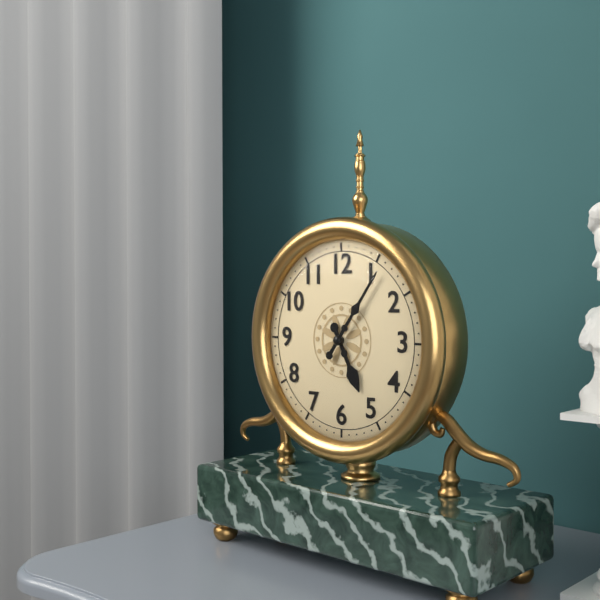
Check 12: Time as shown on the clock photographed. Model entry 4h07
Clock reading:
5h06
